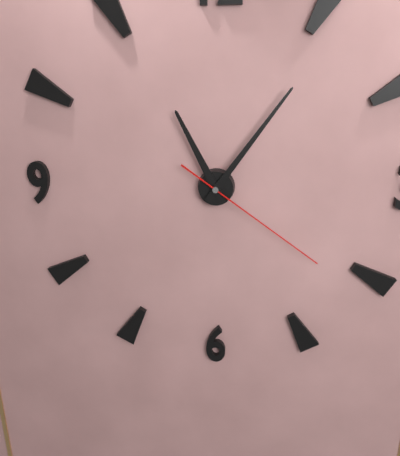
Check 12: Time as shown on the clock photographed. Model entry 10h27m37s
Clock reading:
11h06m21s
